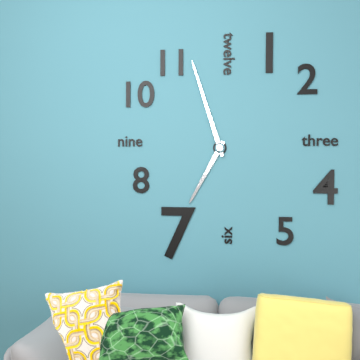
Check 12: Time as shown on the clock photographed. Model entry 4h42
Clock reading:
6h57
